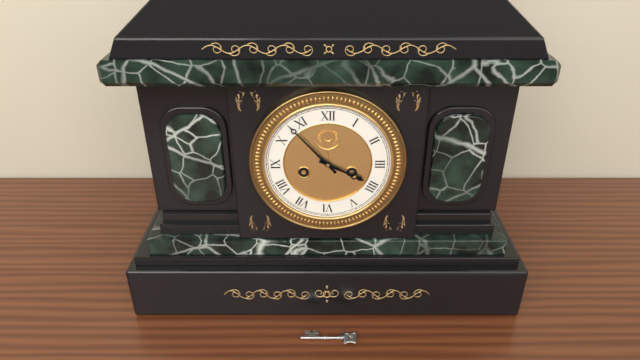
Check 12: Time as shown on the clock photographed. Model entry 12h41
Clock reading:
3h53
